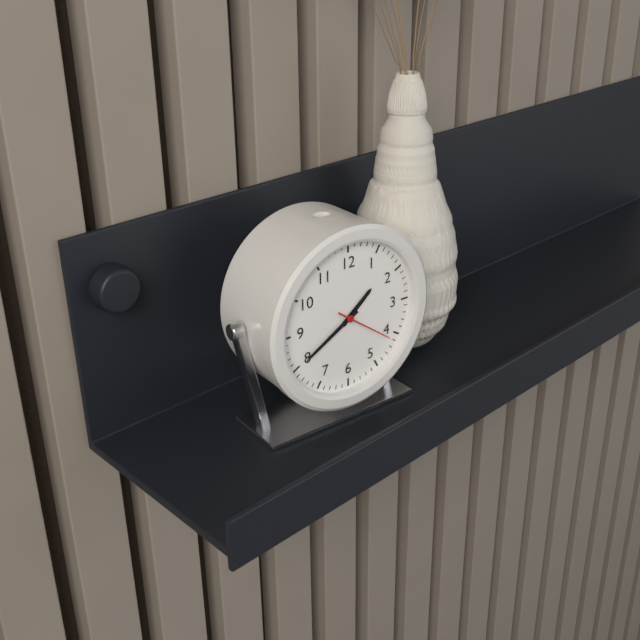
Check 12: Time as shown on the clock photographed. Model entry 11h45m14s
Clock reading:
1h40m21s
